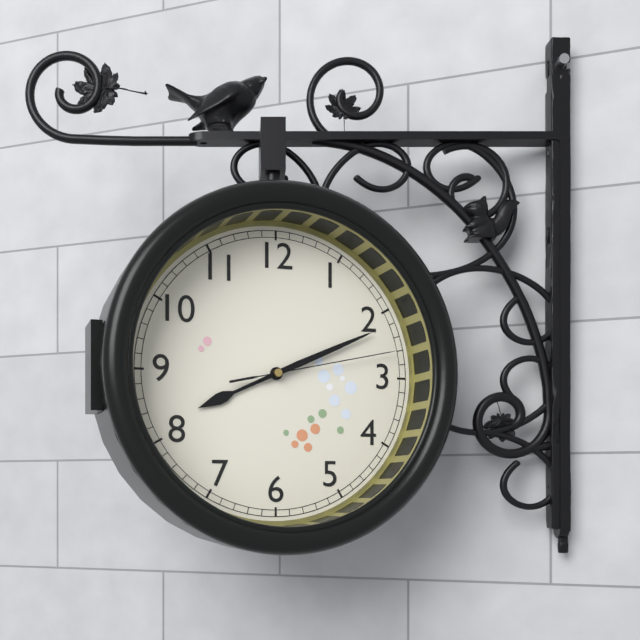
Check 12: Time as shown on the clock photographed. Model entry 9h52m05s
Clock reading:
8h11m13s
